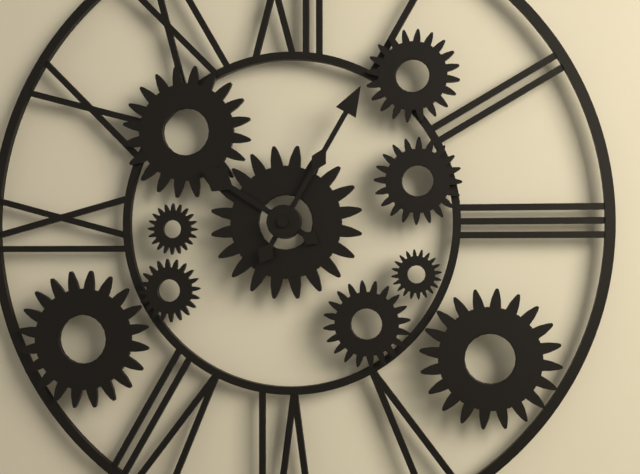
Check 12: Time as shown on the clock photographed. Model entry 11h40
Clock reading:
10h05
